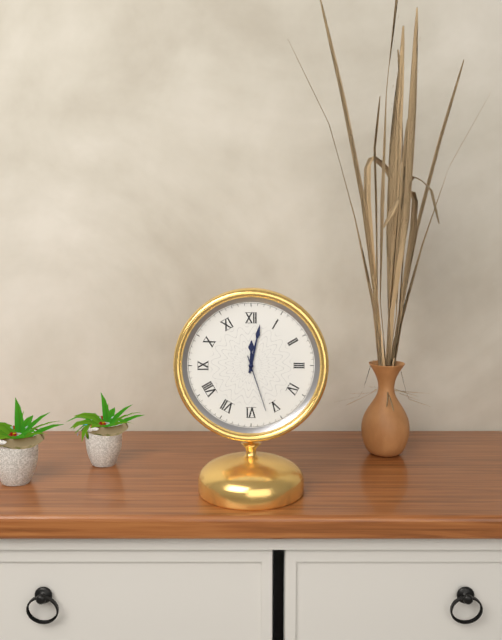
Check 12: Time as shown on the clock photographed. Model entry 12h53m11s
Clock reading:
12h02m27s
